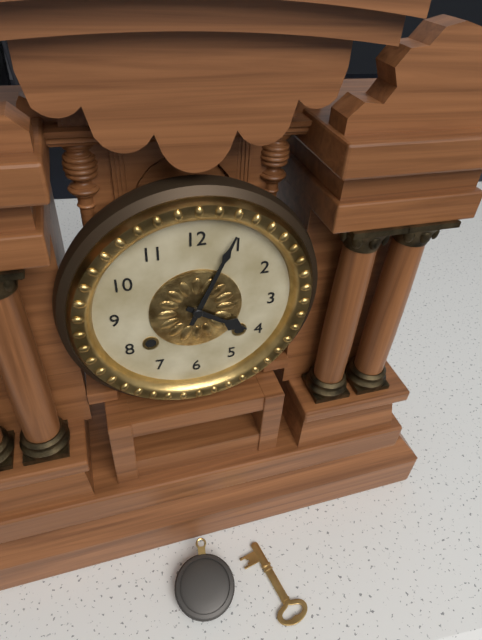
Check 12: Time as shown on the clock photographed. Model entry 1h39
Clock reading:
4h04
